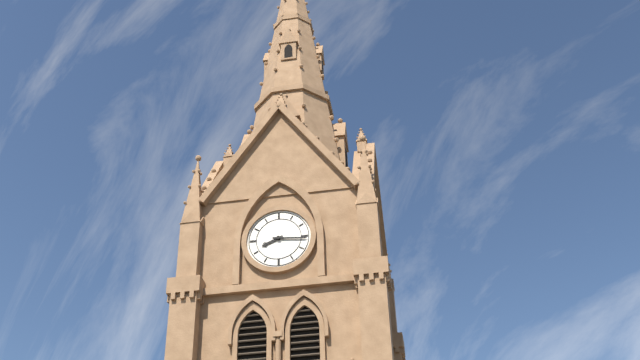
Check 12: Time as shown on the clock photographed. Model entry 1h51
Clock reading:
8h16
